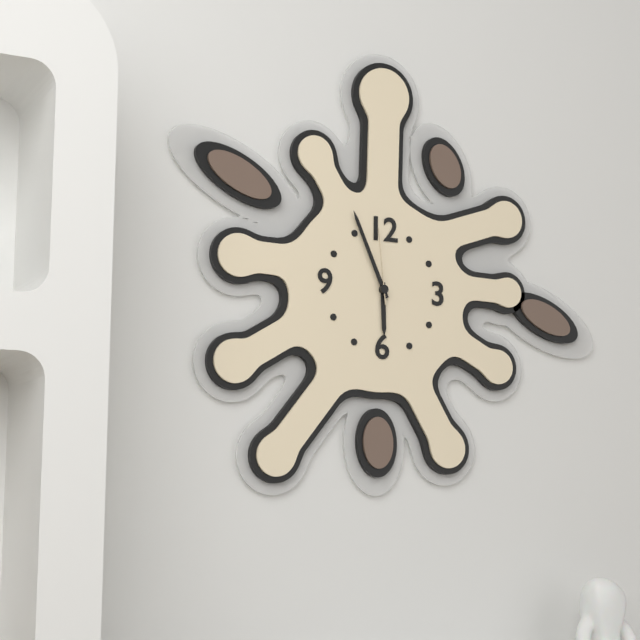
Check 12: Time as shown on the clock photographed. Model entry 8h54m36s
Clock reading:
5h56m59s
